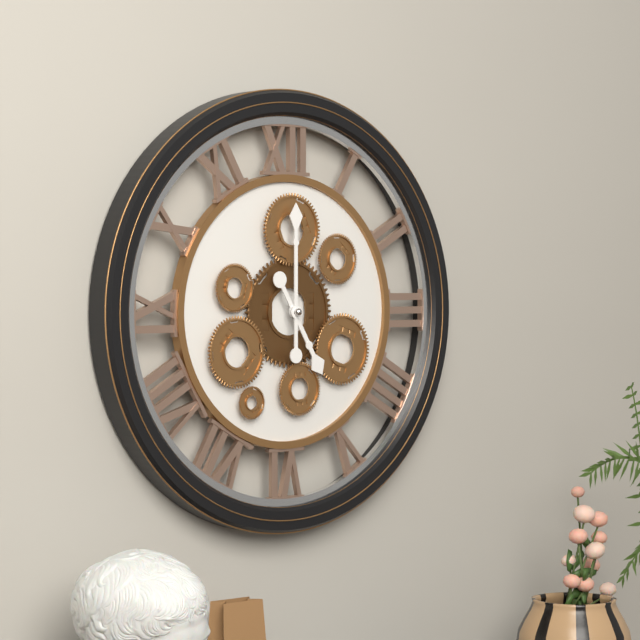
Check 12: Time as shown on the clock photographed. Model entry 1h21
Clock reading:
5h00
